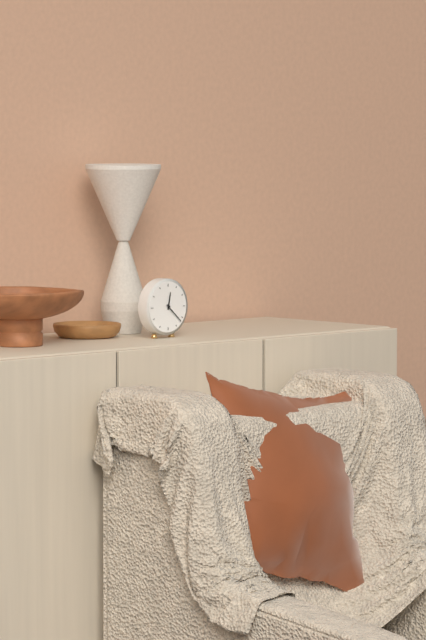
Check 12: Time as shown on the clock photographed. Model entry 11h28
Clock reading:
12h22
